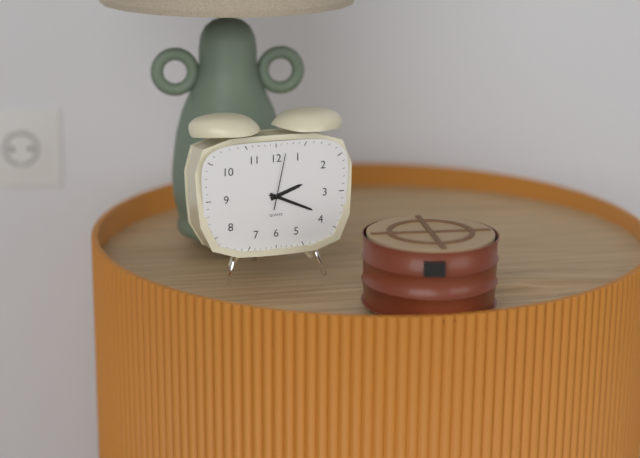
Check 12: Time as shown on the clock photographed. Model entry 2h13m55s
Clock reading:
2h19m02s
